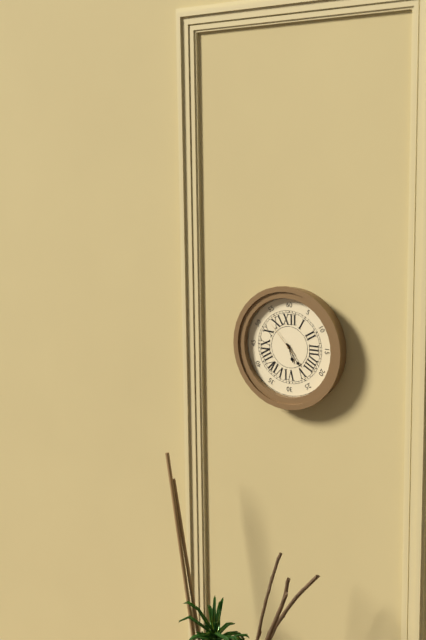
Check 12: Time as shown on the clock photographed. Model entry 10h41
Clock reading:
5h24
